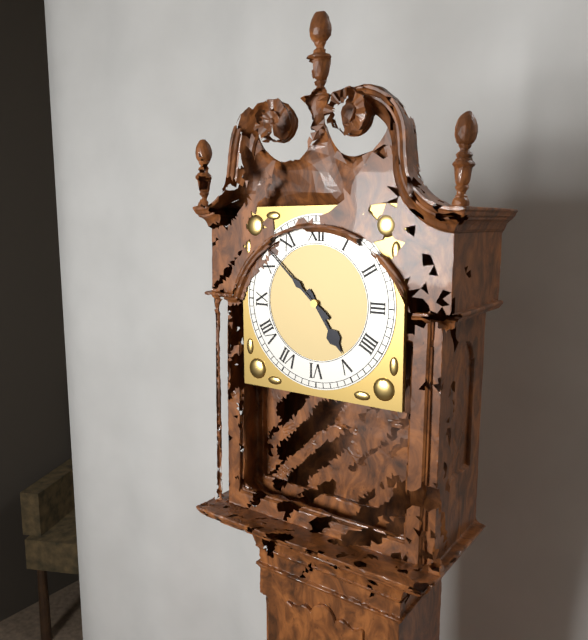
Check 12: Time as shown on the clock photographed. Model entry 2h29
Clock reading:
4h52
